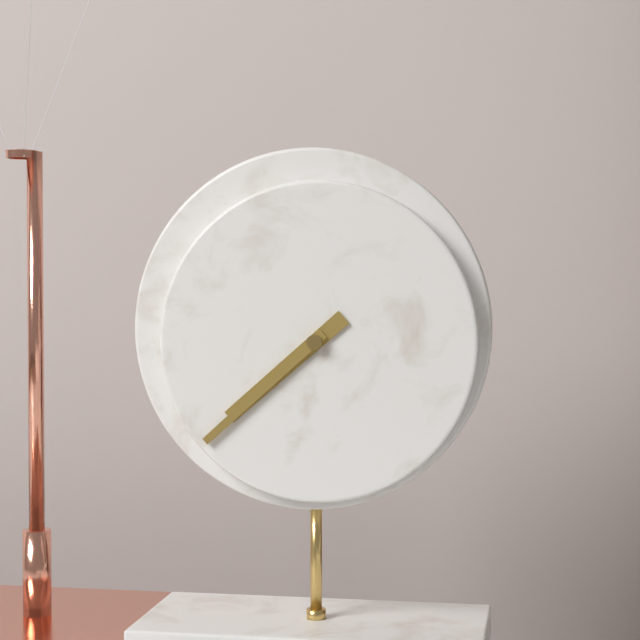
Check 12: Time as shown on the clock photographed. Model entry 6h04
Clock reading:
7h38
